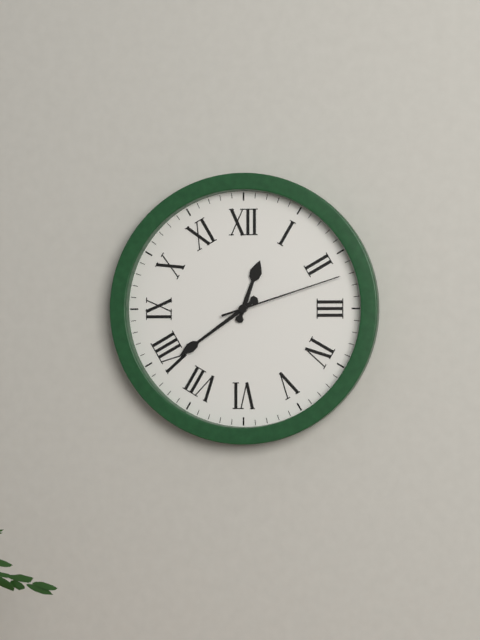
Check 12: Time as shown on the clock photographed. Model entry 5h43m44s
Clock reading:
12h39m12s
